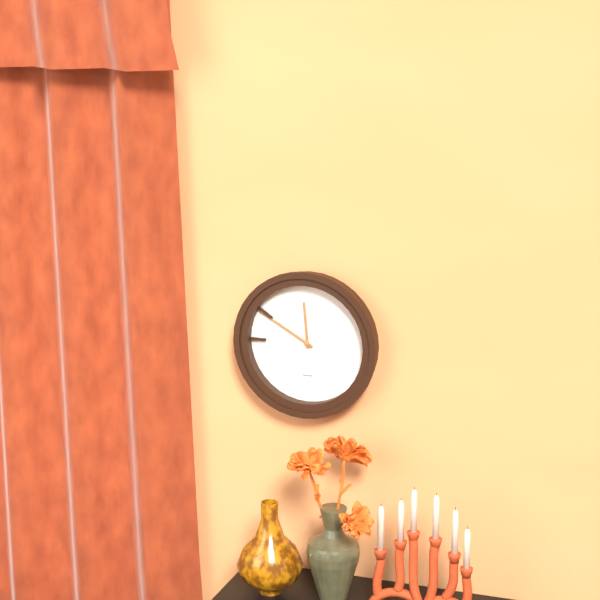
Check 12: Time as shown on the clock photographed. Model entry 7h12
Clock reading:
11h50
